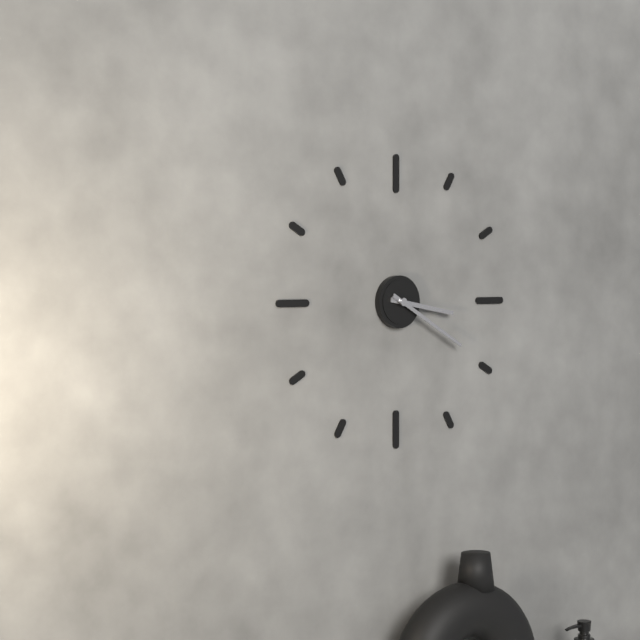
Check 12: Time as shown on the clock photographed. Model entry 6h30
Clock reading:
3h20
